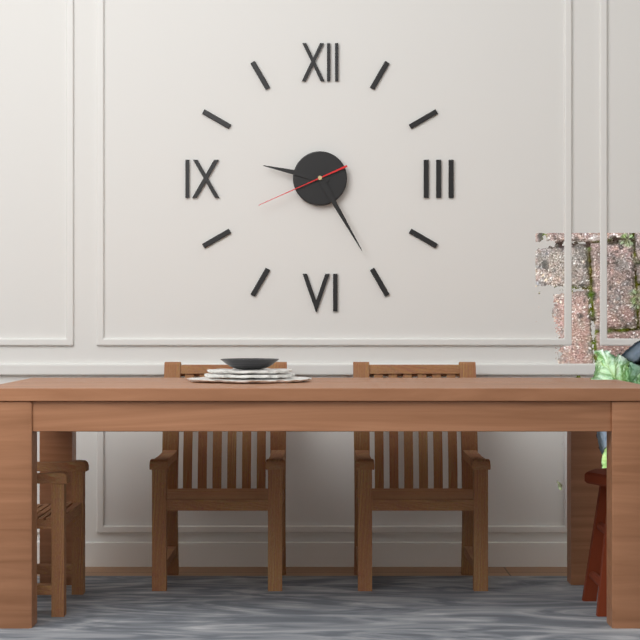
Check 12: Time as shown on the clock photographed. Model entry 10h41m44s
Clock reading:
9h25m41s
